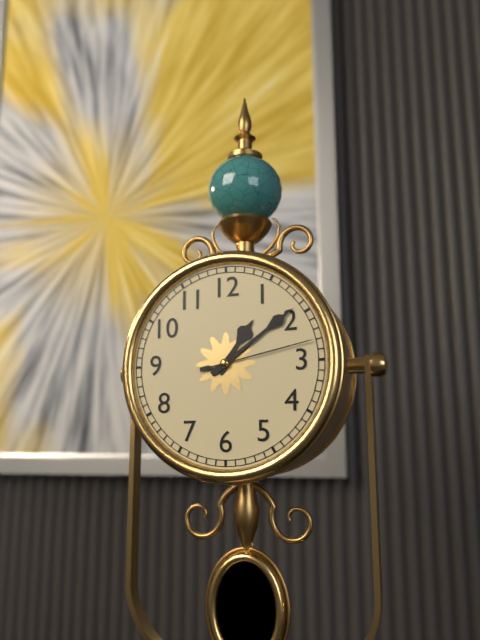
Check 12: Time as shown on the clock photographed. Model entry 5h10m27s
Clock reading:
1h09m13s
